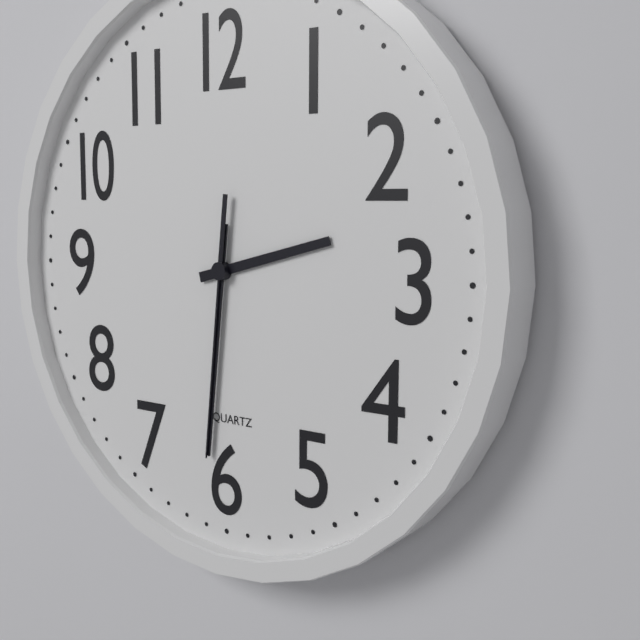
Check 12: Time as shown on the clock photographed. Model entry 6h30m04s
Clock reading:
2h31m31s
